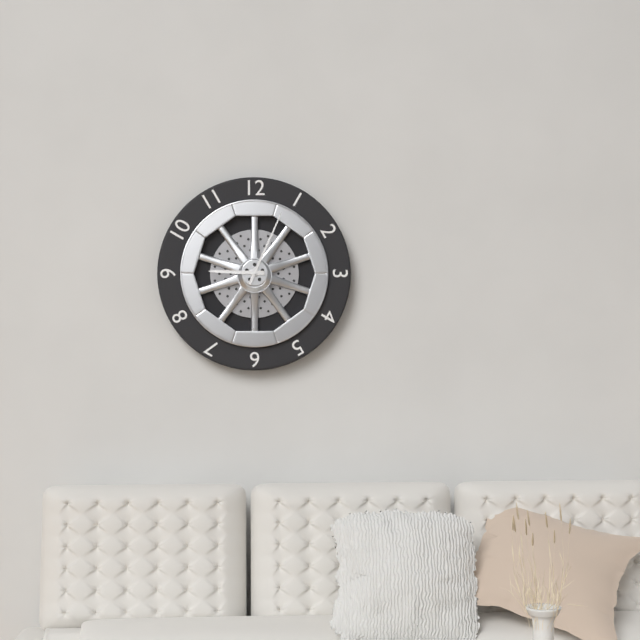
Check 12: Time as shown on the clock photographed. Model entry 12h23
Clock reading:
9h04
